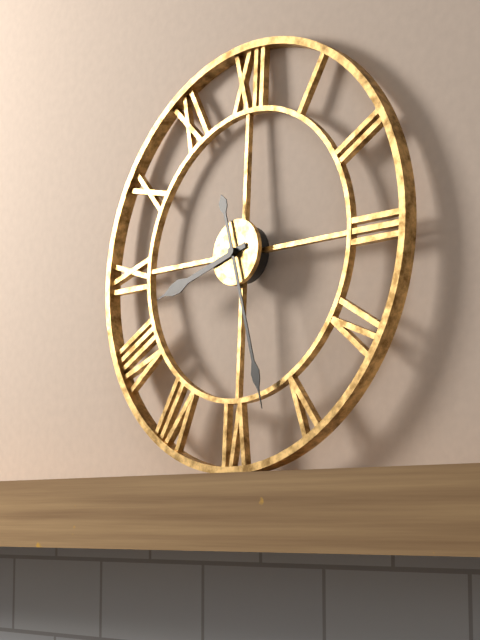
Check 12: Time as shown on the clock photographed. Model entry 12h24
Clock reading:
8h27
